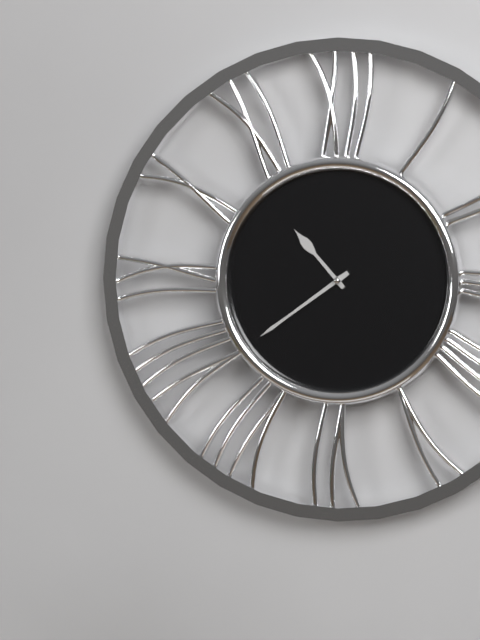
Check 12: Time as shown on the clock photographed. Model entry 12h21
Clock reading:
10h39
